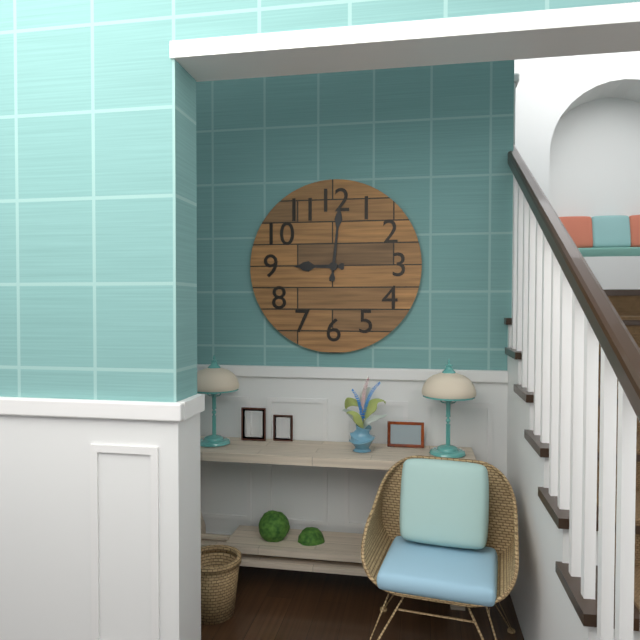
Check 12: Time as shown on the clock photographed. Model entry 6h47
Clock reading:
9h01
